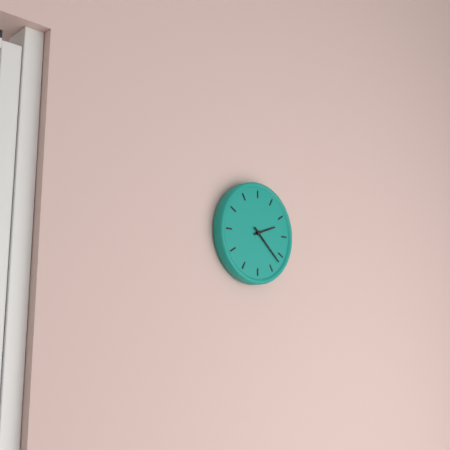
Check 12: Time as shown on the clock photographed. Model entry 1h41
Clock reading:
2h22
